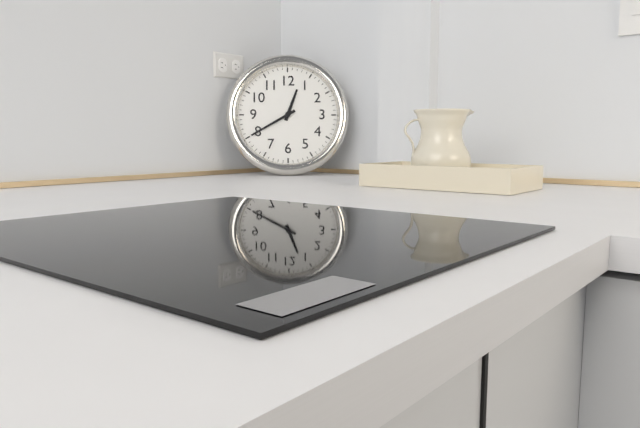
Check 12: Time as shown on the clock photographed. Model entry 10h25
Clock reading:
12h40
